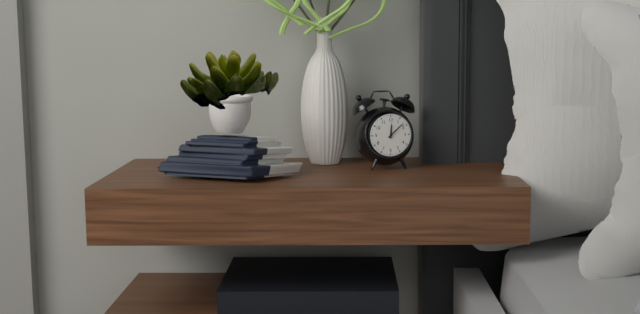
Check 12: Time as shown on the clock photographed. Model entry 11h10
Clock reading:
12h08
